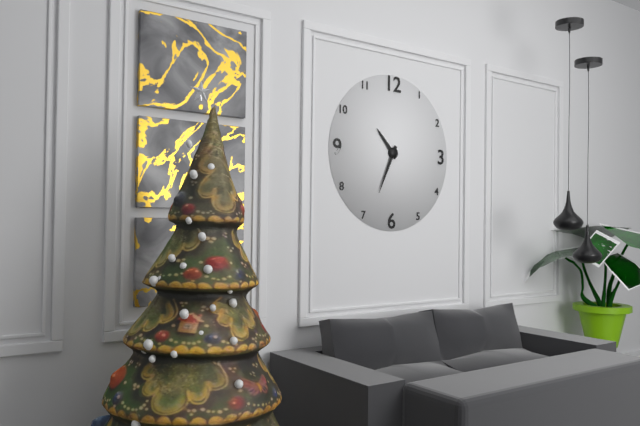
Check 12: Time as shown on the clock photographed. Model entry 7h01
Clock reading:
10h34
